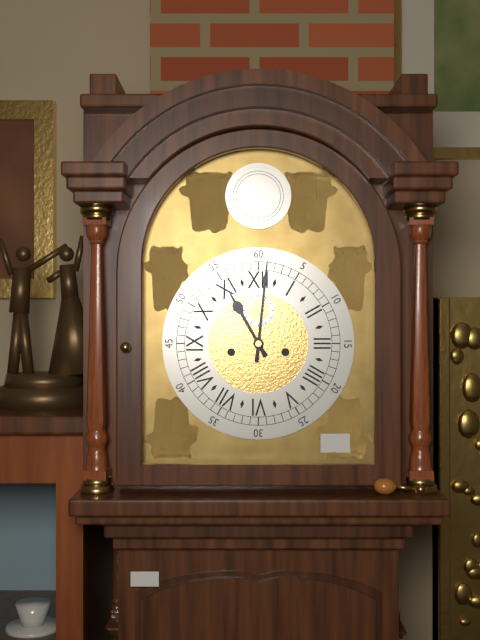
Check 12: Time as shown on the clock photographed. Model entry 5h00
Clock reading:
11h01
